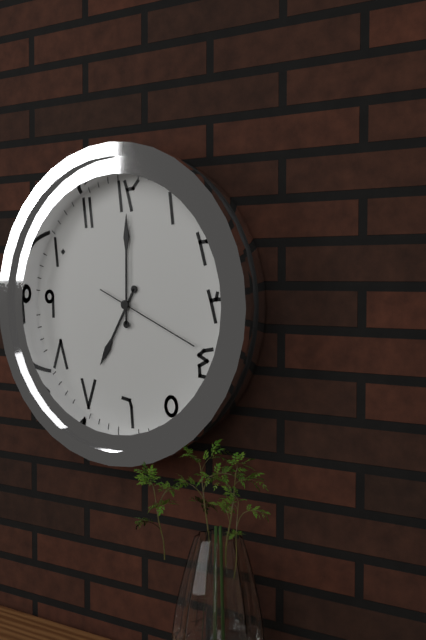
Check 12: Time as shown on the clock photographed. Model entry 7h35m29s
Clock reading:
7h00m19s
